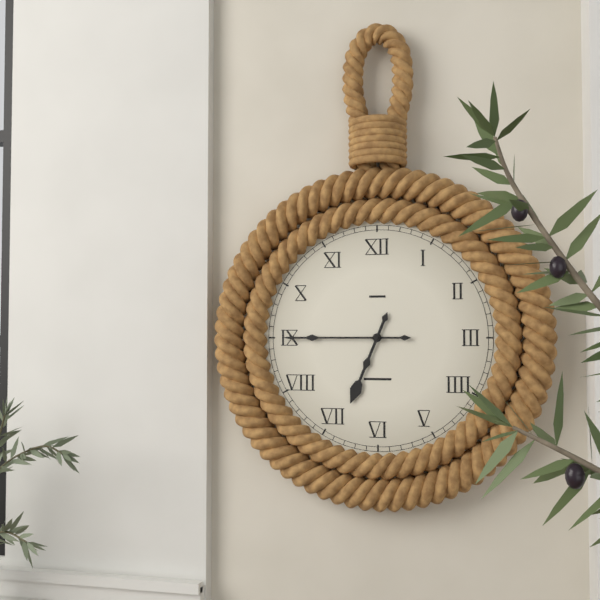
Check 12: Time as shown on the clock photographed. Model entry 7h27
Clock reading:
6h45
